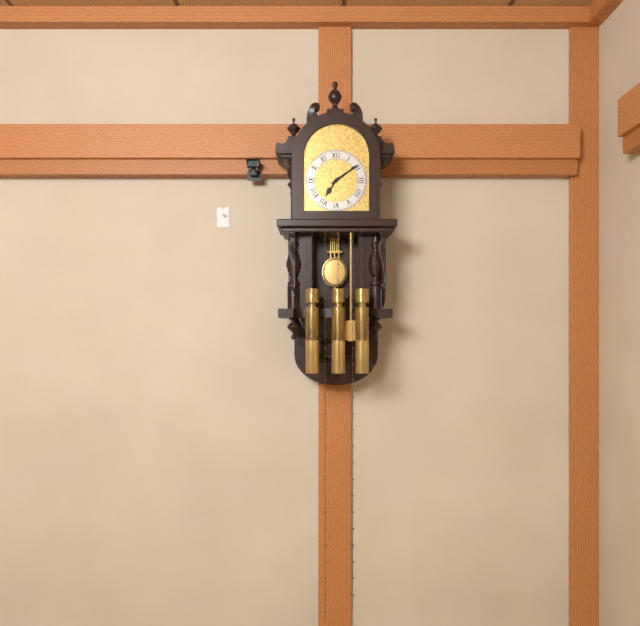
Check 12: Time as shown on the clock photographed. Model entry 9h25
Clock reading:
7h09
